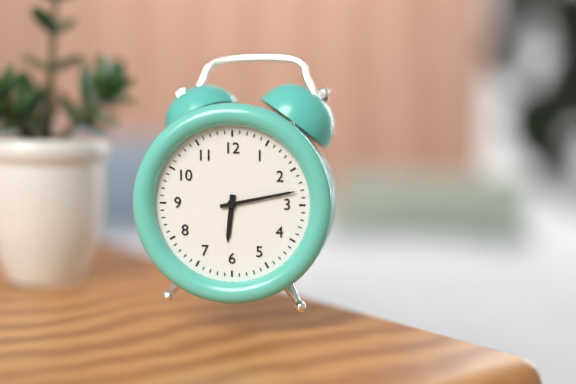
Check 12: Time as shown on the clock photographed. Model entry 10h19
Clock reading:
6h13
